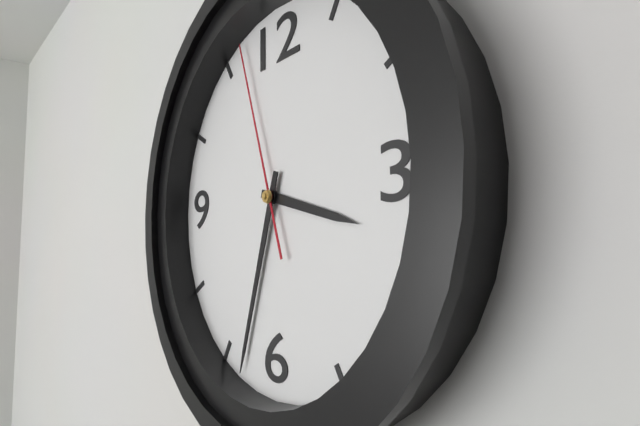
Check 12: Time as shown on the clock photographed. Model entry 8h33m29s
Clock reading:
3h33m57s
